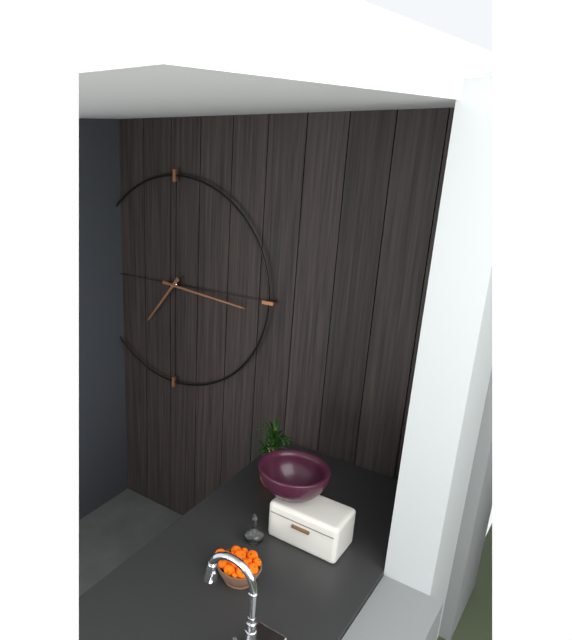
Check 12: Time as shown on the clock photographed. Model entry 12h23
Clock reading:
7h16
